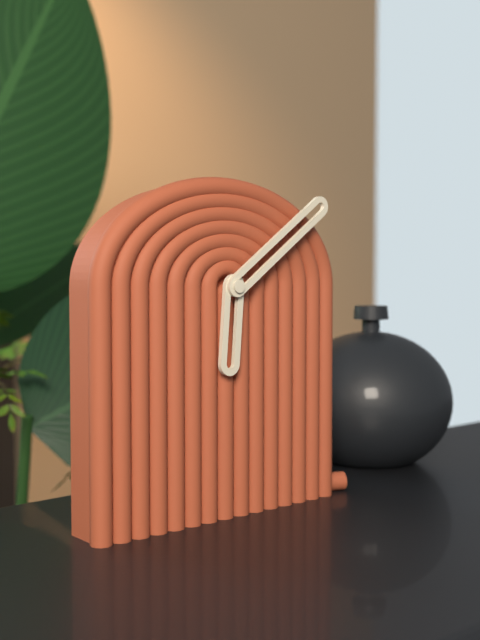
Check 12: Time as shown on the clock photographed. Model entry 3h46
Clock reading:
6h09
